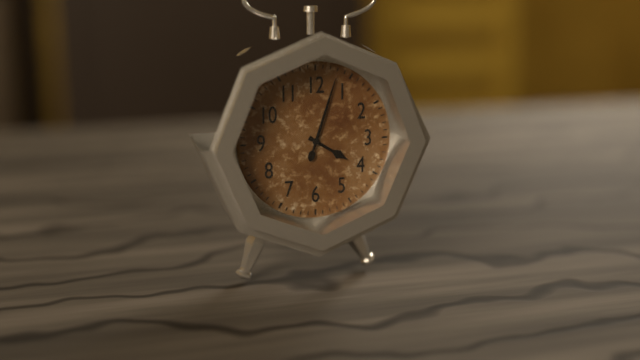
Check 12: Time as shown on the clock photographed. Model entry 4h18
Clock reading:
4h03
